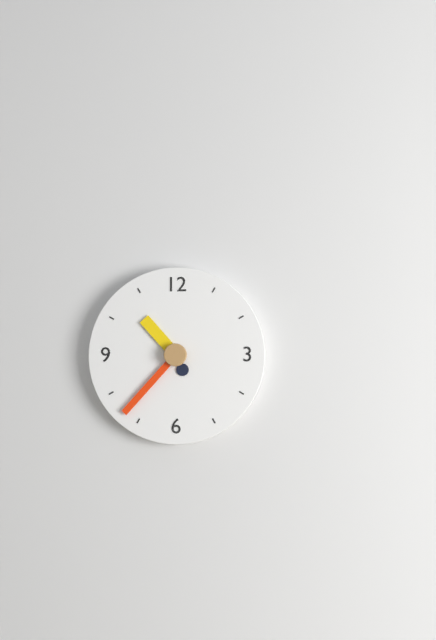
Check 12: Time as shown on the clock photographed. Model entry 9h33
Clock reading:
10h37
